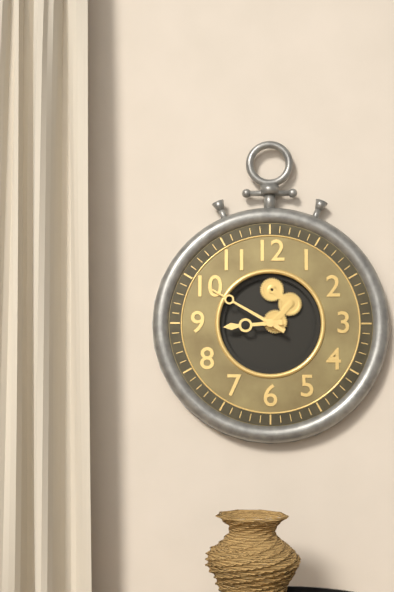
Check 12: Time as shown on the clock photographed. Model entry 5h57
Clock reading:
8h50
